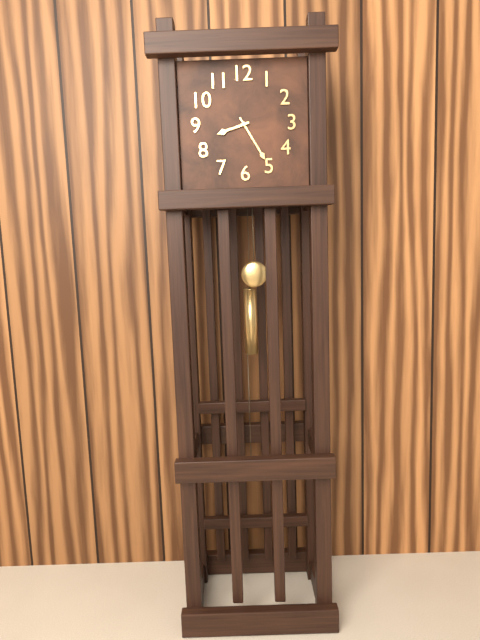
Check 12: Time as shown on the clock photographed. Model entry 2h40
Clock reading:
8h25
